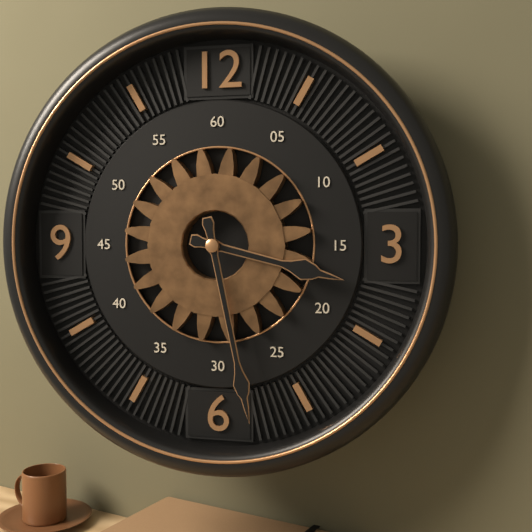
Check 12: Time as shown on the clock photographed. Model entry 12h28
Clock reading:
3h28
